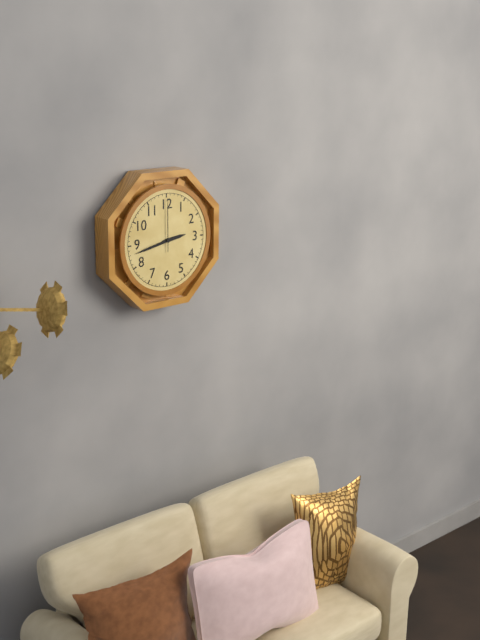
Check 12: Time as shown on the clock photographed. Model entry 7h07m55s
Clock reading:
2h43m00s
